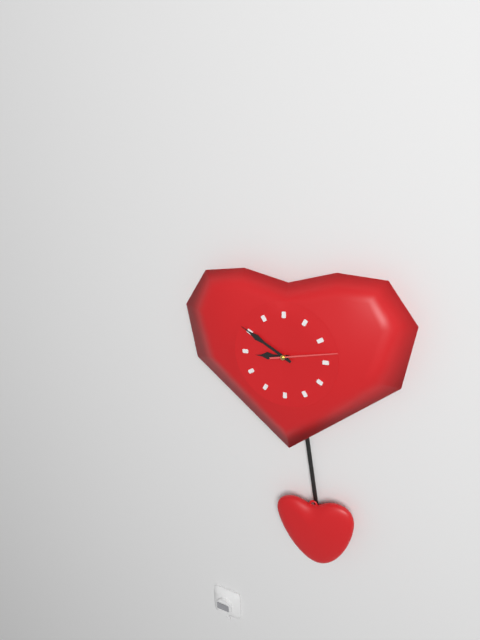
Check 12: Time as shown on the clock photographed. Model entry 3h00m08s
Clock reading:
8h50m13s
